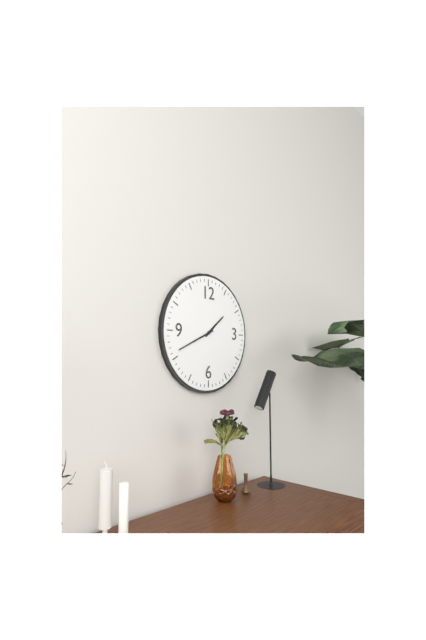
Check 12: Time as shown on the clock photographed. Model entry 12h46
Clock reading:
1h41
